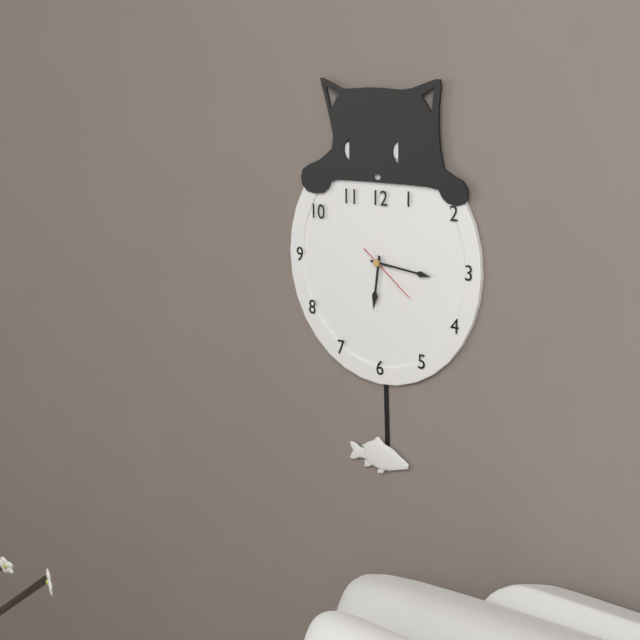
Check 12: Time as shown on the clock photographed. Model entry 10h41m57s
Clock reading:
6h16m21s
